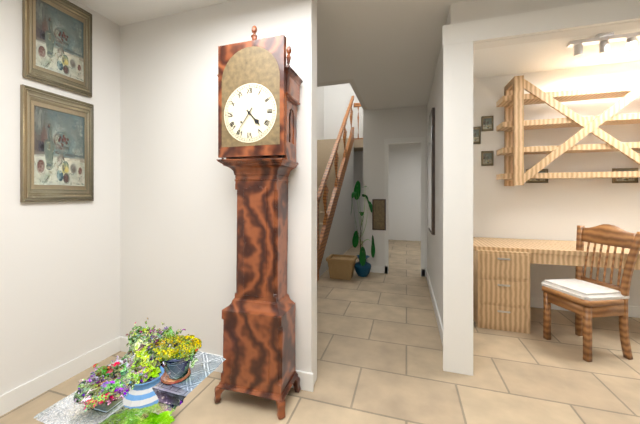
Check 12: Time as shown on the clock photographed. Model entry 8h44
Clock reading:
4h36
